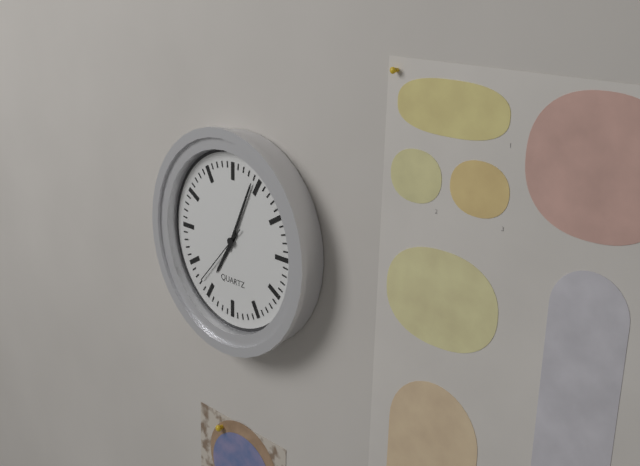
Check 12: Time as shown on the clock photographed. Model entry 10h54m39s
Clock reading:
7h04m37s
